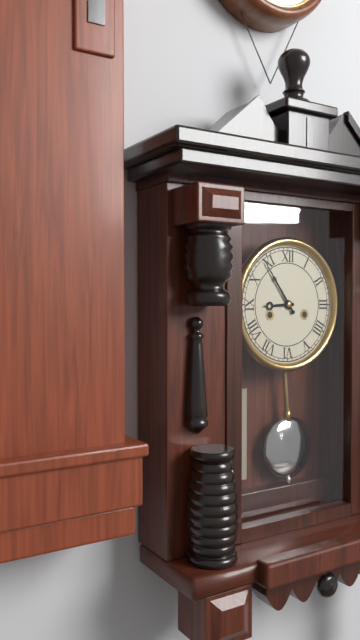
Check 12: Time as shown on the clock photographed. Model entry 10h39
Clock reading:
8h54
